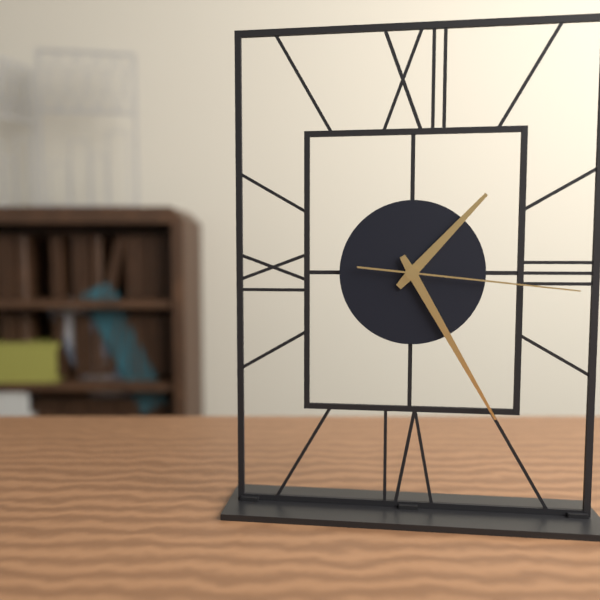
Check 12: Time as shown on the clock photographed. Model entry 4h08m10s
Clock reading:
1h25m16s
